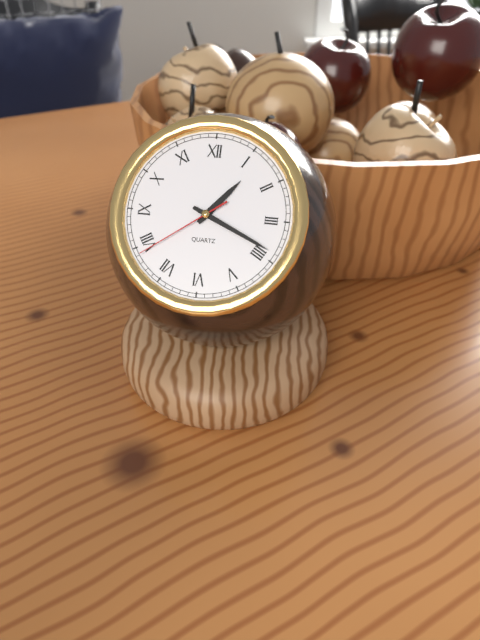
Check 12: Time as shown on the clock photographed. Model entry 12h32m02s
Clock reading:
1h19m39s
